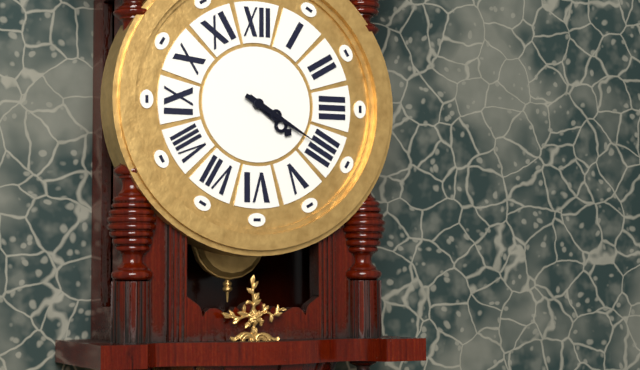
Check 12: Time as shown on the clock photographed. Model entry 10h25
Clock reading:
4h20
